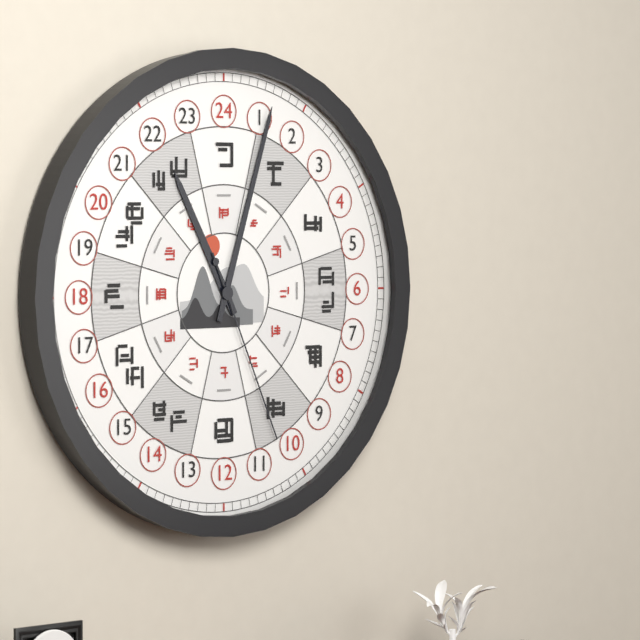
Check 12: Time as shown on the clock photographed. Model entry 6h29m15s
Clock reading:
11h03m26s
